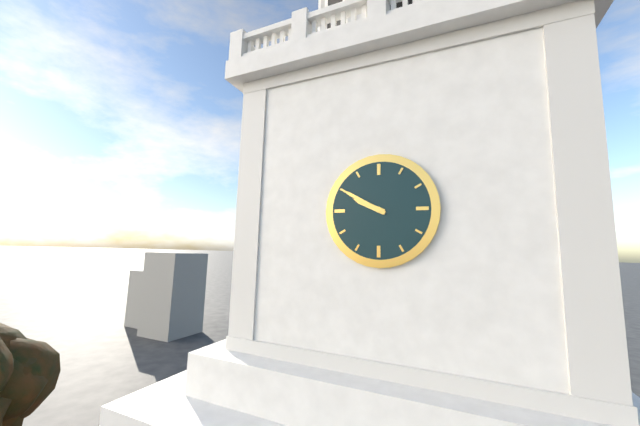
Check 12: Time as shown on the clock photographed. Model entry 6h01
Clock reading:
9h50
